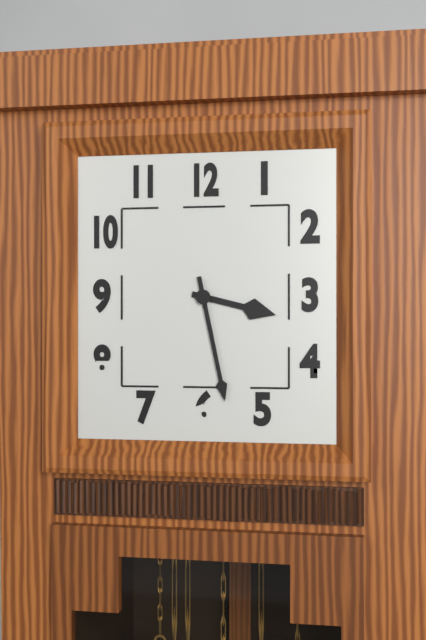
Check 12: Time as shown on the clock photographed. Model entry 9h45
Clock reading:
3h28
